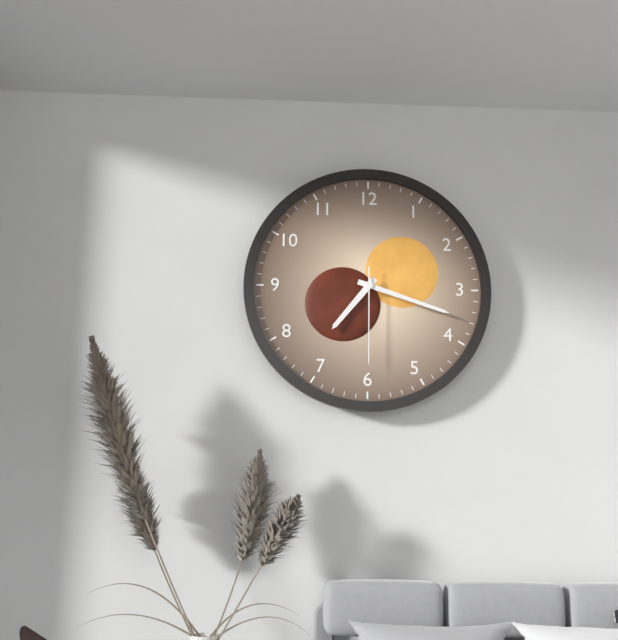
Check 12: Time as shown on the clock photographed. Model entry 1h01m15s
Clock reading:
7h18m30s
